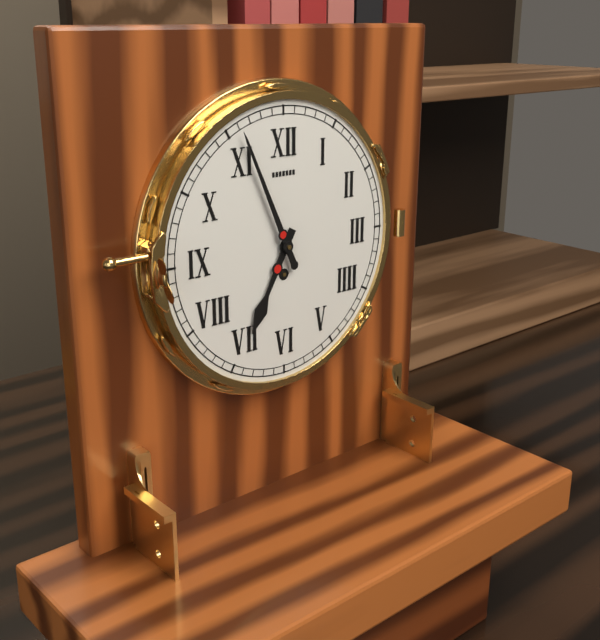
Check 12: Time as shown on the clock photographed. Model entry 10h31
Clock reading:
6h56
